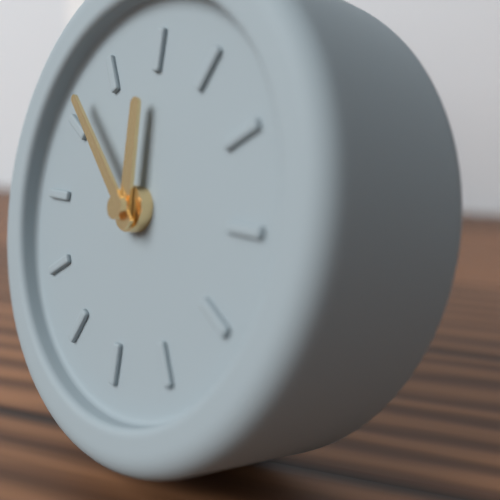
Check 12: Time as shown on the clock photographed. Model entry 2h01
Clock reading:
11h52
